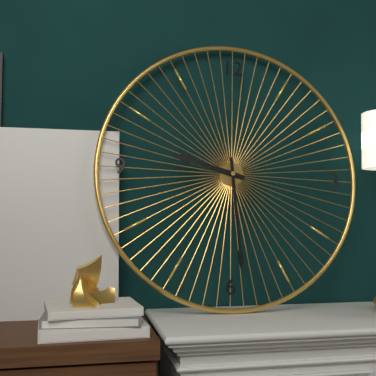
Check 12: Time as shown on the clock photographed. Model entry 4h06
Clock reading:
9h29
